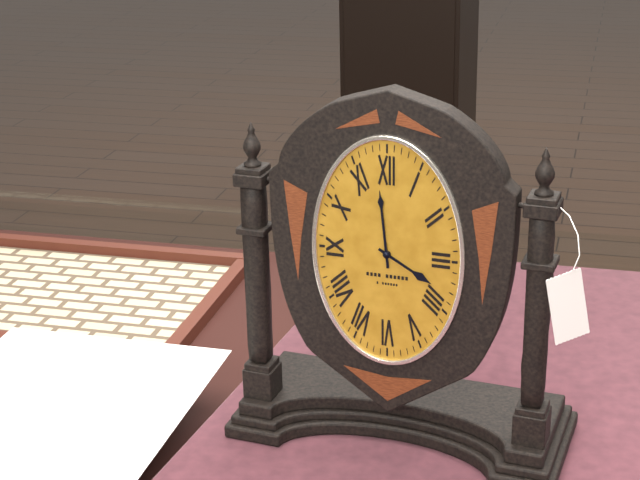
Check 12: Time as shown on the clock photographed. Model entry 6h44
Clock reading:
3h59
